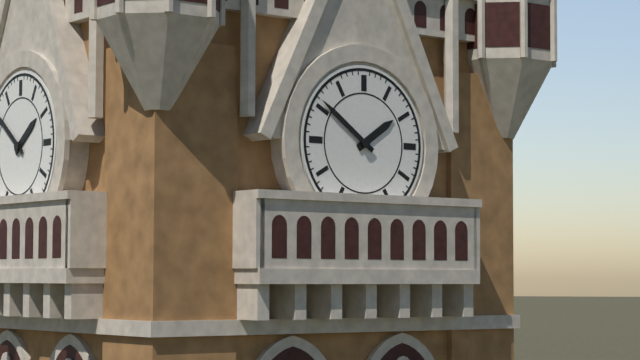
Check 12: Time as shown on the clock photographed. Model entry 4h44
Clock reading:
1h51
